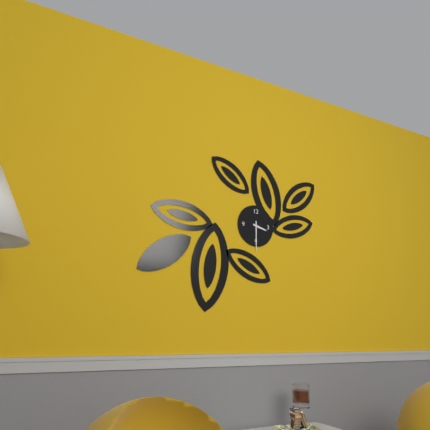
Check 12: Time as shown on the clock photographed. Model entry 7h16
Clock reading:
3h30
